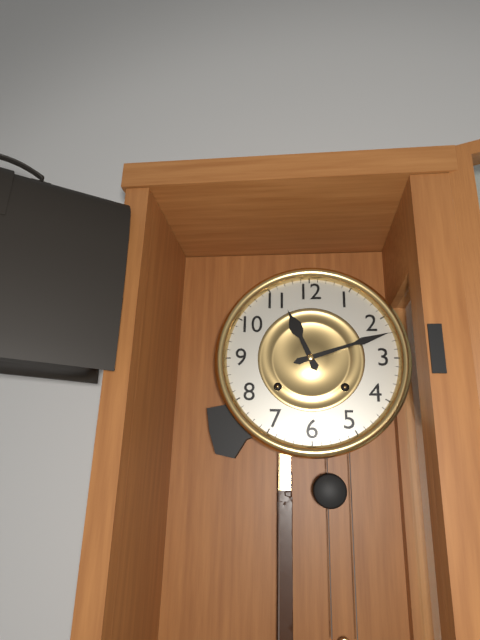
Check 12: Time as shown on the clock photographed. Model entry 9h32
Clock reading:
11h12
